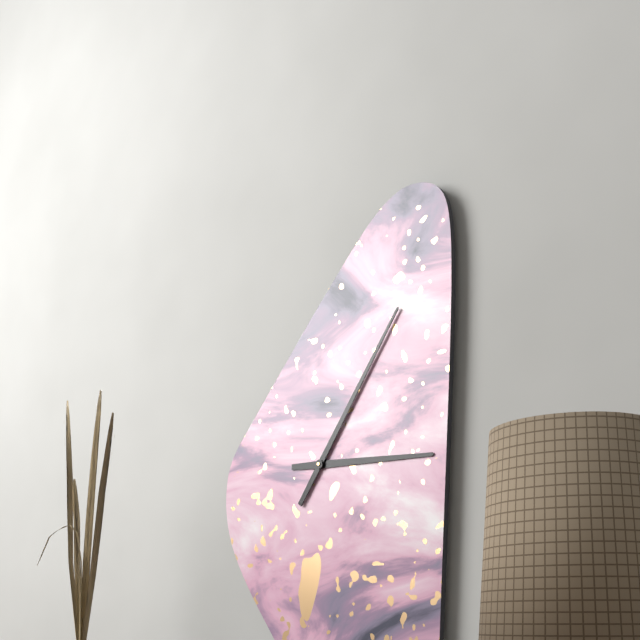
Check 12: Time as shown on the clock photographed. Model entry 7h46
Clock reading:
3h06
